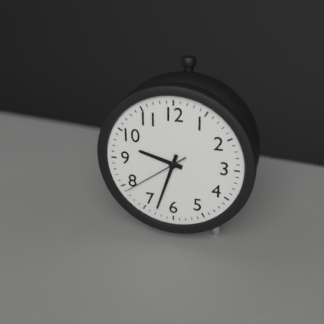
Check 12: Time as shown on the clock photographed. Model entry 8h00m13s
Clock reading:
9h33m39s
